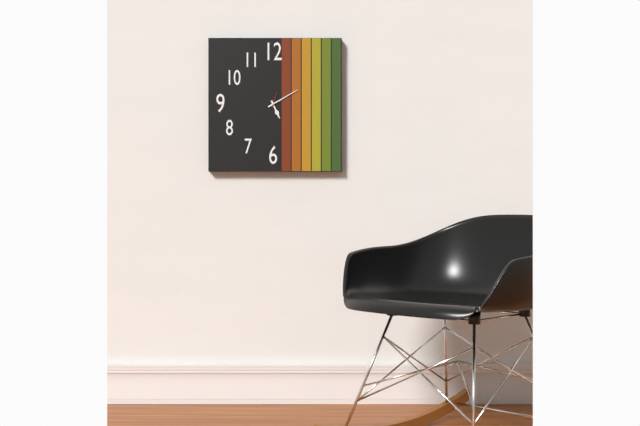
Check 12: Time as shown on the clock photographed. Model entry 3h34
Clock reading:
5h10
